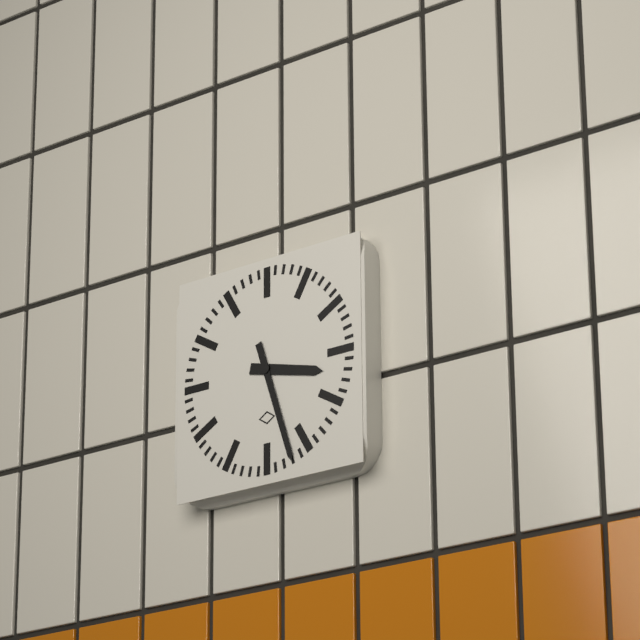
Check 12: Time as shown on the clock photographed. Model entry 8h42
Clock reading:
3h27
